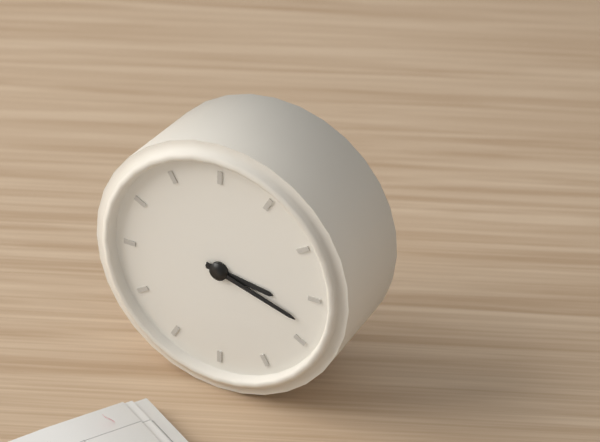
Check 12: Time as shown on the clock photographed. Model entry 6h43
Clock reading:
3h18
